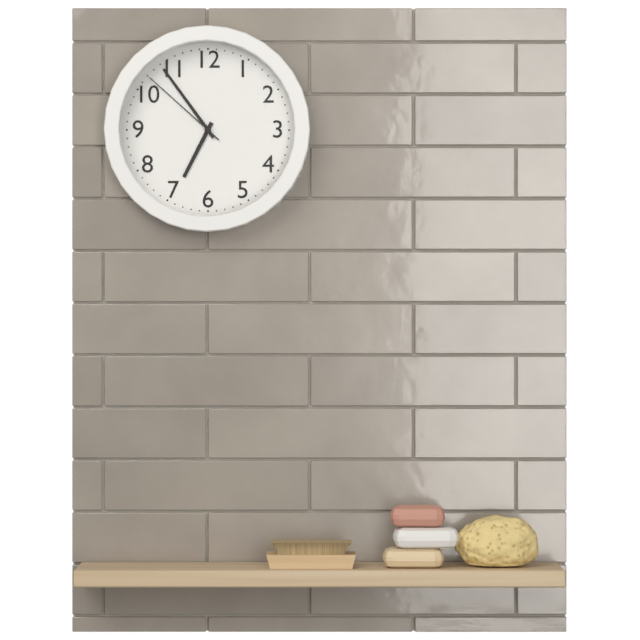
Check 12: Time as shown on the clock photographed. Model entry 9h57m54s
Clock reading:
6h54m52s
